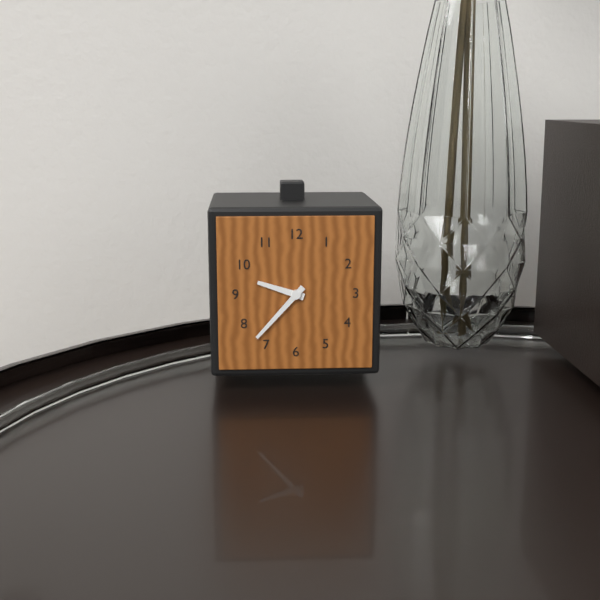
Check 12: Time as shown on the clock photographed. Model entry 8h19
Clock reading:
9h37
